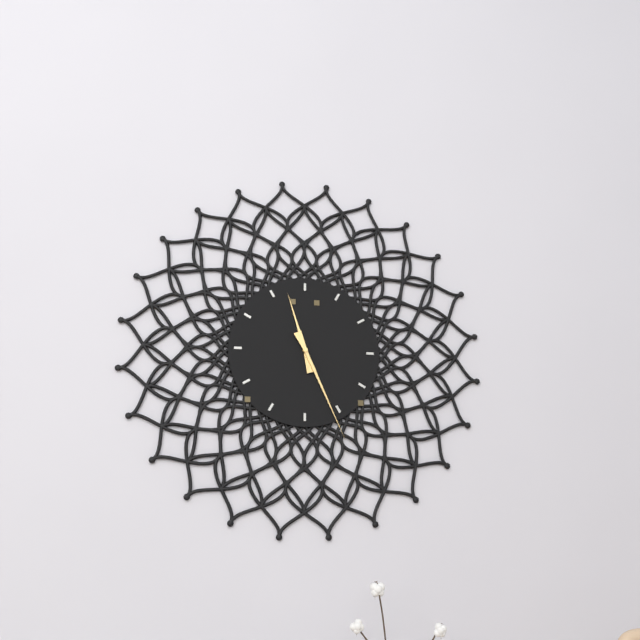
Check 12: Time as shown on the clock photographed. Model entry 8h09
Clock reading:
11h26
